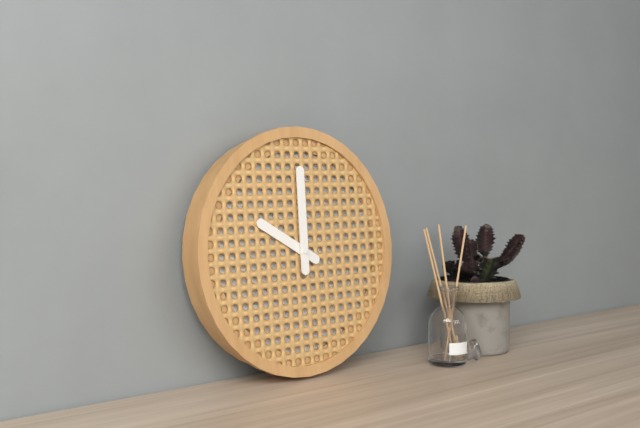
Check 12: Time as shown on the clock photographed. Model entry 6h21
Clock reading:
10h00
